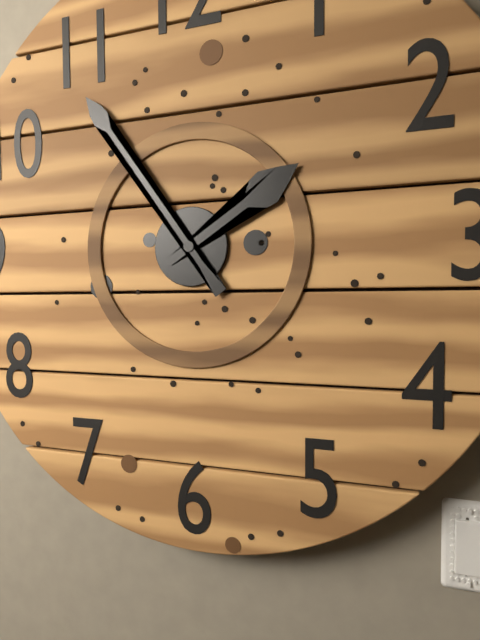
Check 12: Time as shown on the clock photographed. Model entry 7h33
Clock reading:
1h54
